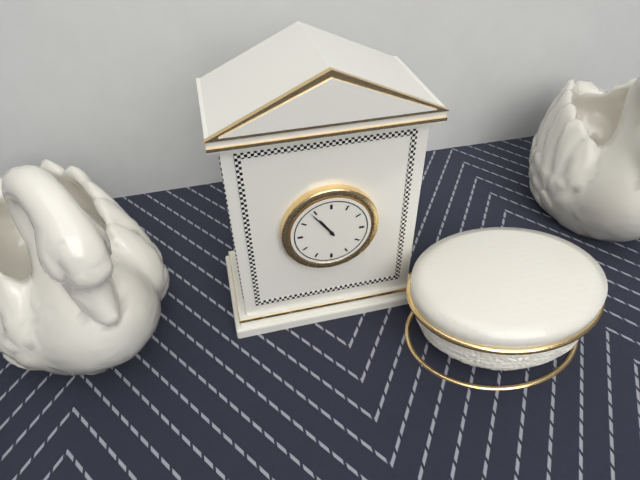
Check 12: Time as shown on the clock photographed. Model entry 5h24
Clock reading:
10h54
